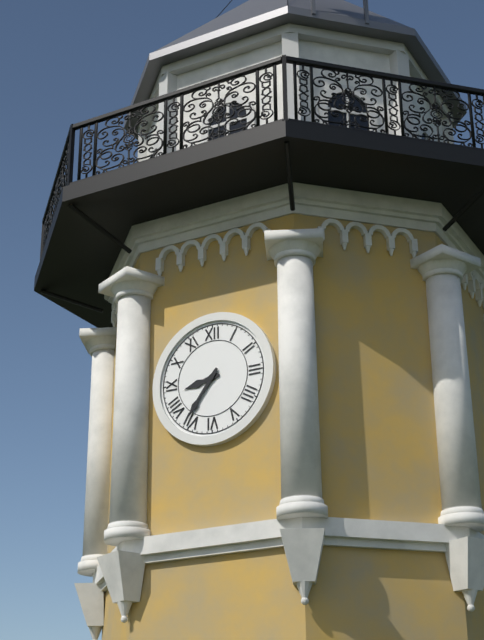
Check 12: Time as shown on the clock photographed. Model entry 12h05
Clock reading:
8h36
